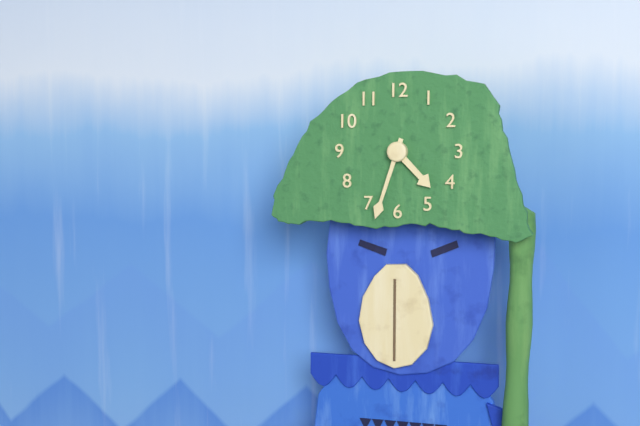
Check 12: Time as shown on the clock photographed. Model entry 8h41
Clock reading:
4h33
